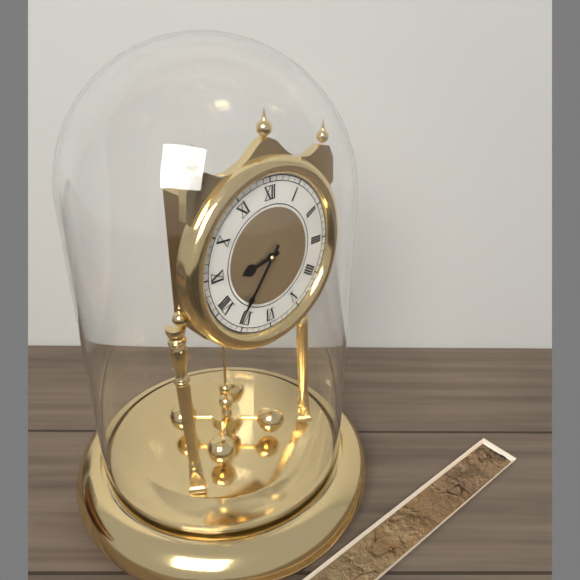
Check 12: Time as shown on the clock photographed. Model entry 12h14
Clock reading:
8h36
